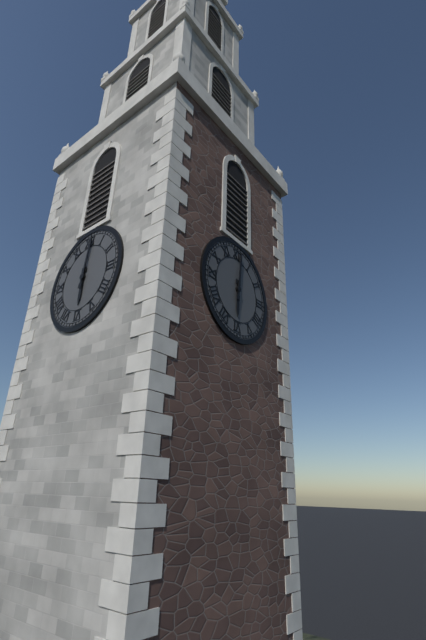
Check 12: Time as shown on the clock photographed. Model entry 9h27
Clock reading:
6h01
